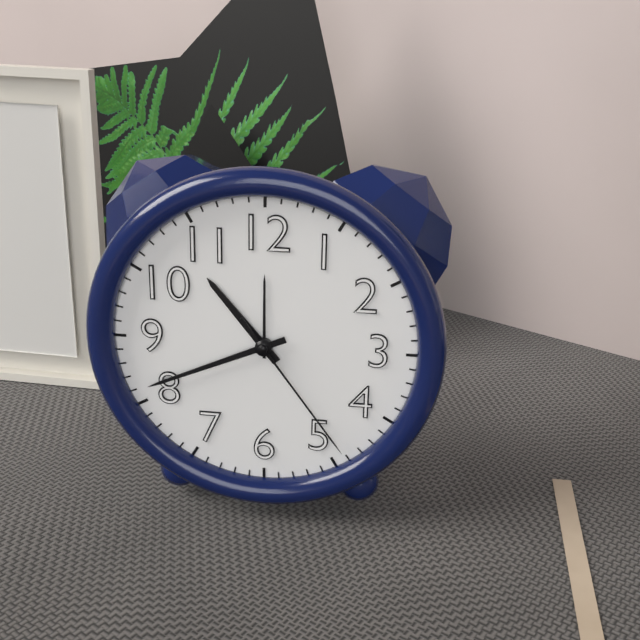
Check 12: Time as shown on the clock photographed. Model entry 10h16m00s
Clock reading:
10h41m24s
